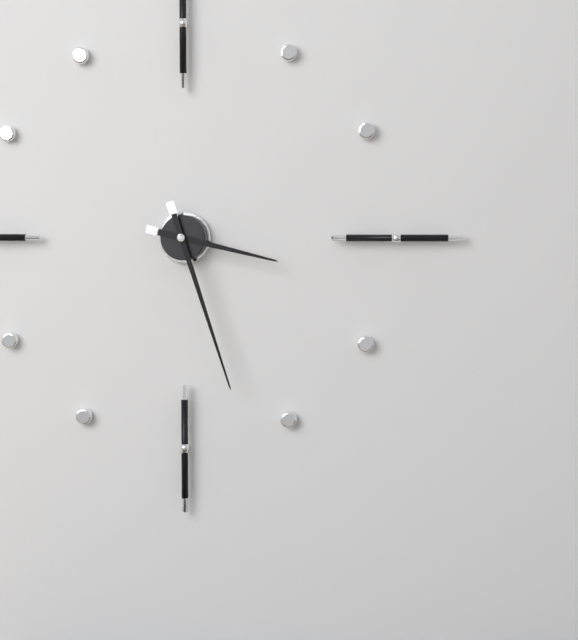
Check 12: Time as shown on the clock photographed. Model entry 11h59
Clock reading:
3h27
